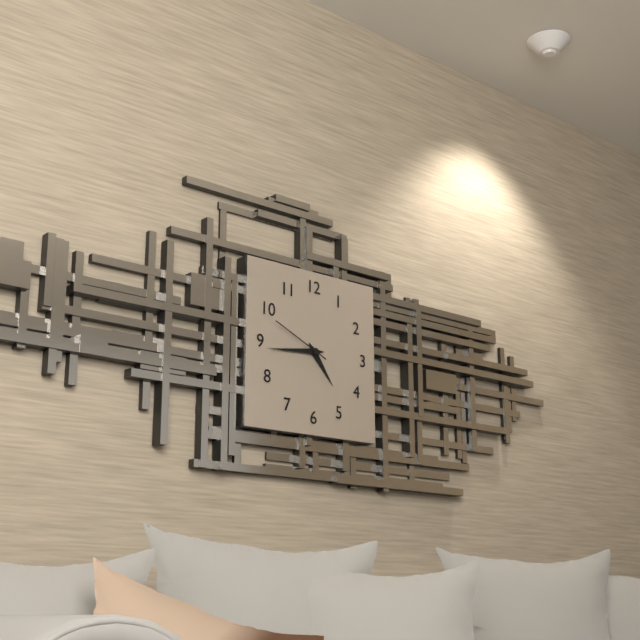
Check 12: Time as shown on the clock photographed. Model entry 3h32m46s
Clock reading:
4h44m49s
